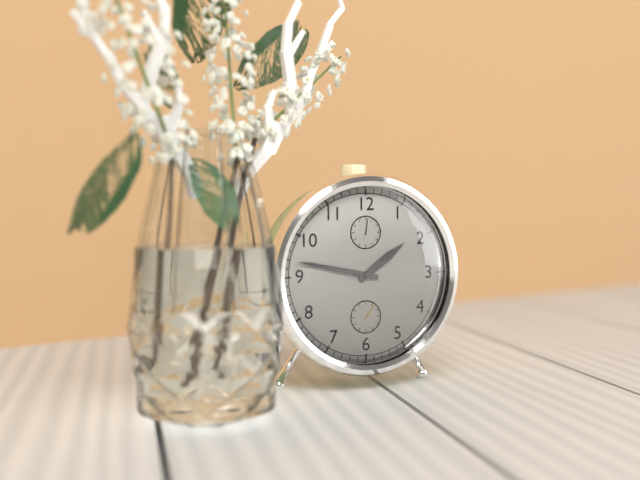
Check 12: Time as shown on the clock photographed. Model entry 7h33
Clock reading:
1h47
